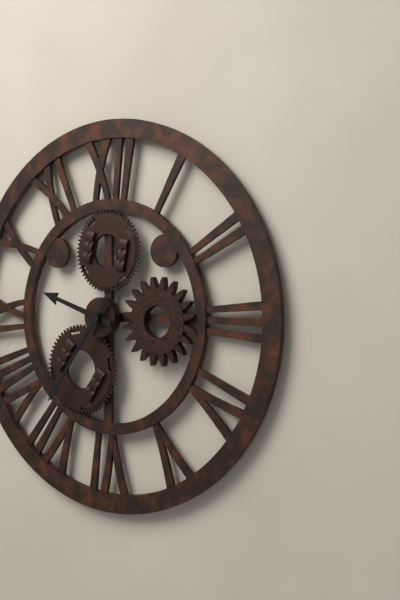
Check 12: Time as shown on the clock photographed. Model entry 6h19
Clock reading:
9h36
